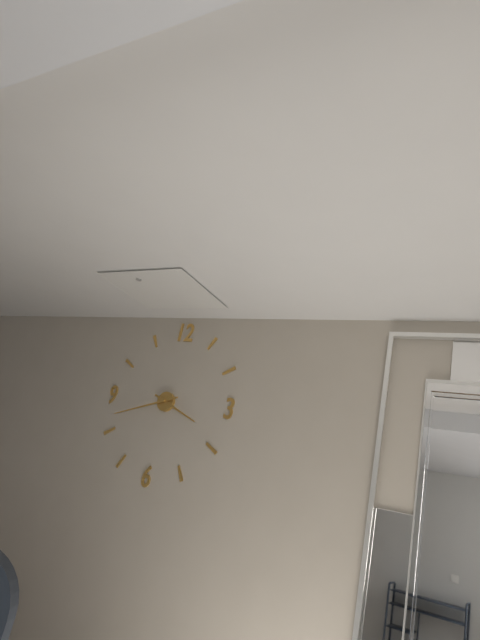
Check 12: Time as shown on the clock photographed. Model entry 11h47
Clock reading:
3h42
